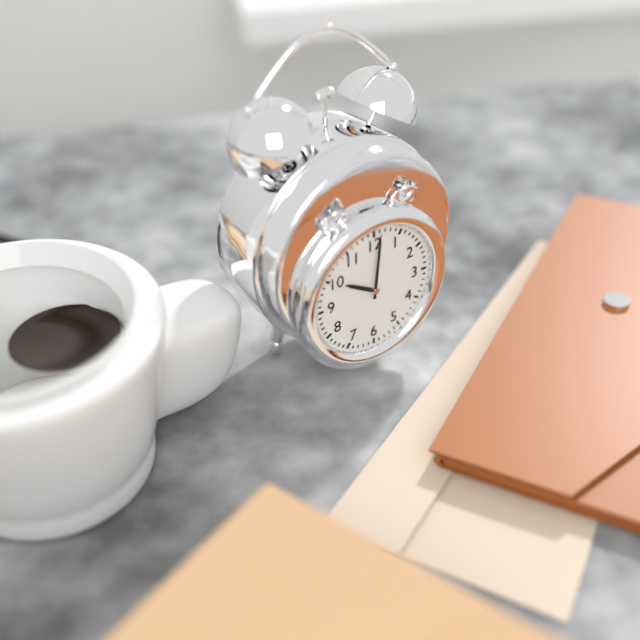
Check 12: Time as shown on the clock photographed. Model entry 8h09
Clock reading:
10h01
